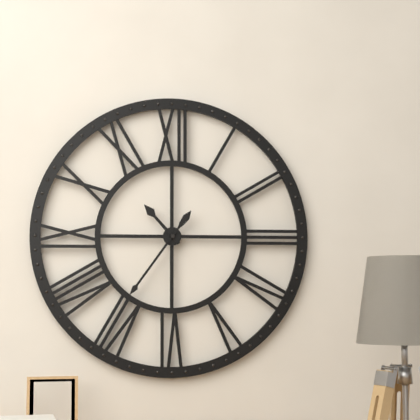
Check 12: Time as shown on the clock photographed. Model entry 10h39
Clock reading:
10h36
